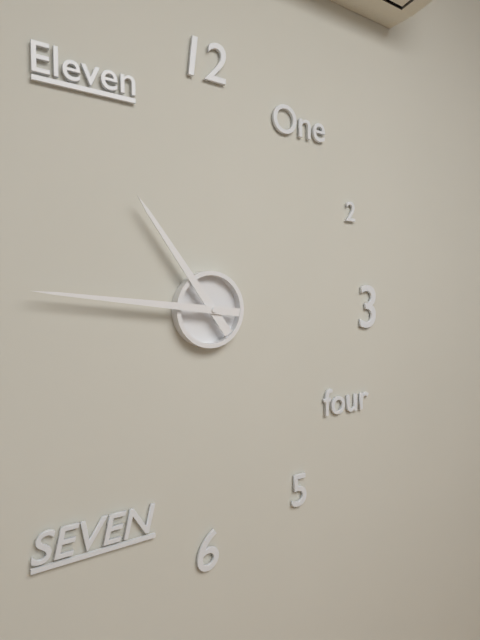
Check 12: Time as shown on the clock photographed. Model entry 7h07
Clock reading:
10h46
